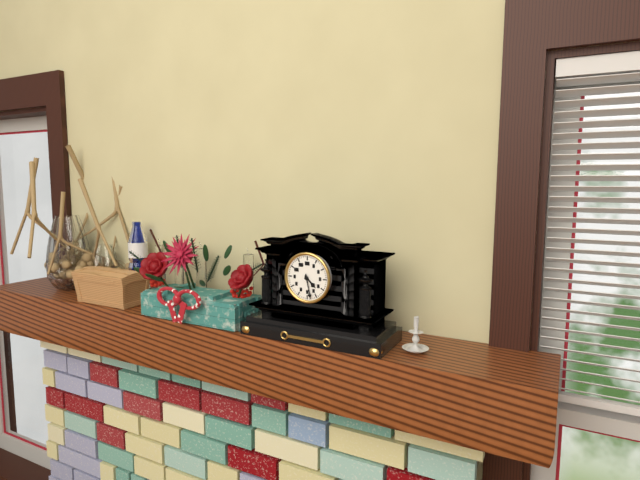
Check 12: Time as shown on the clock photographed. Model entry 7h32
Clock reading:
4h28
